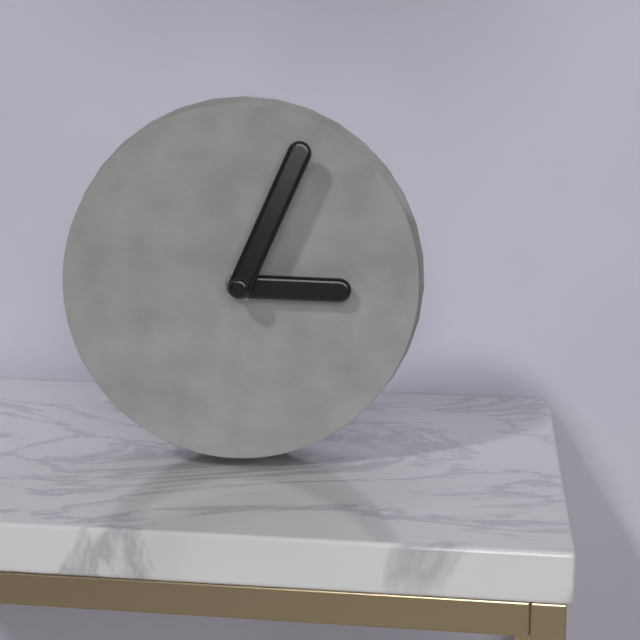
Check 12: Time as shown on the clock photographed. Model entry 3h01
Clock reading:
3h04
